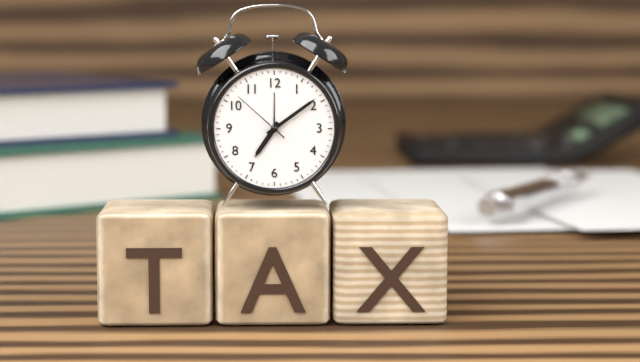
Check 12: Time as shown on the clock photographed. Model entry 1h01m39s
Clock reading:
7h09m52s
